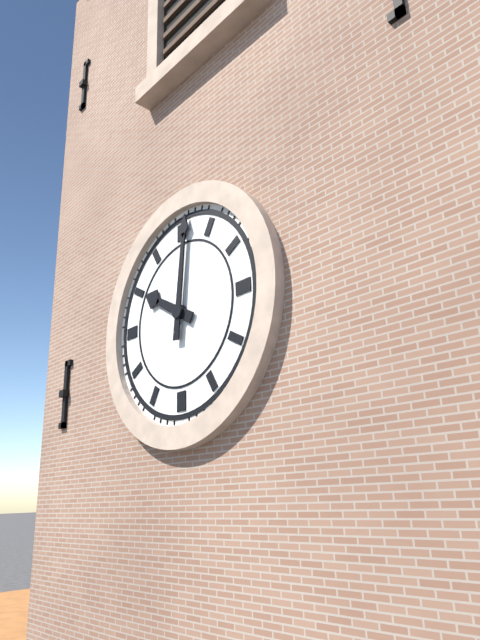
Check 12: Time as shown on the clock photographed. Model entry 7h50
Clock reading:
10h01
